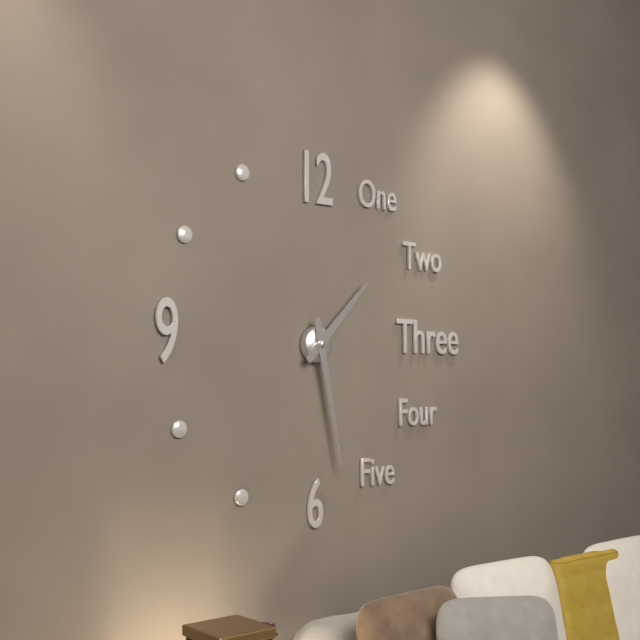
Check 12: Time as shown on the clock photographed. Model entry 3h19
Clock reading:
1h28
